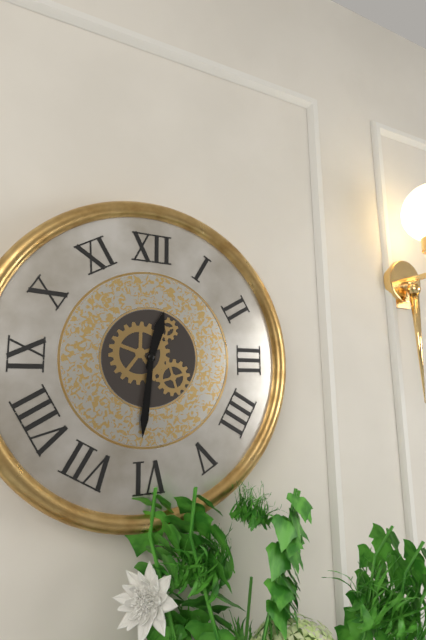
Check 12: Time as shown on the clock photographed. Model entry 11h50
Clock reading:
12h31
